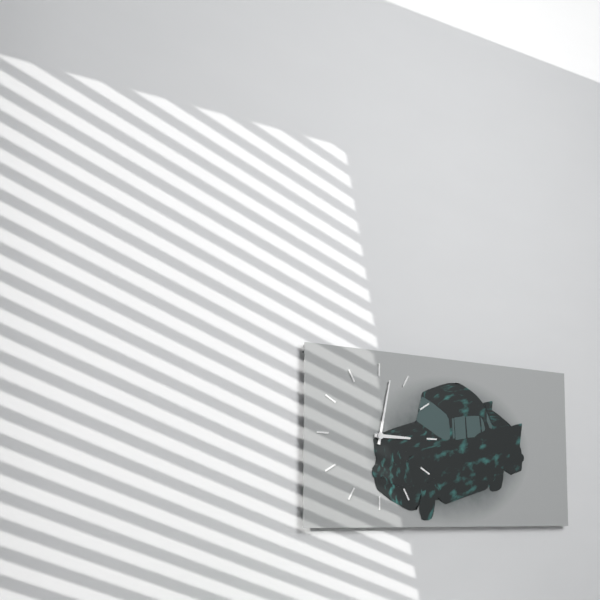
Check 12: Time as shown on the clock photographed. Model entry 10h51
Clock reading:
3h02
